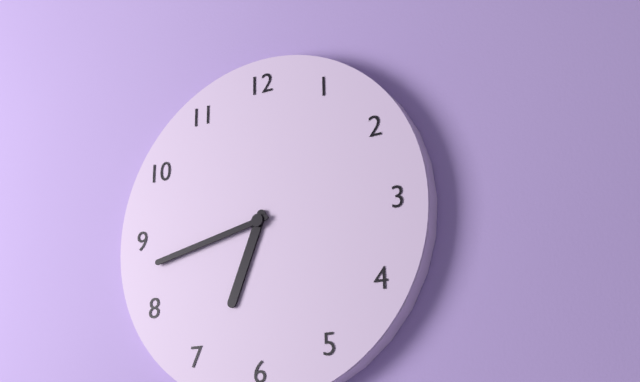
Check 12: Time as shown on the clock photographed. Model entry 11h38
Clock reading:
6h43
